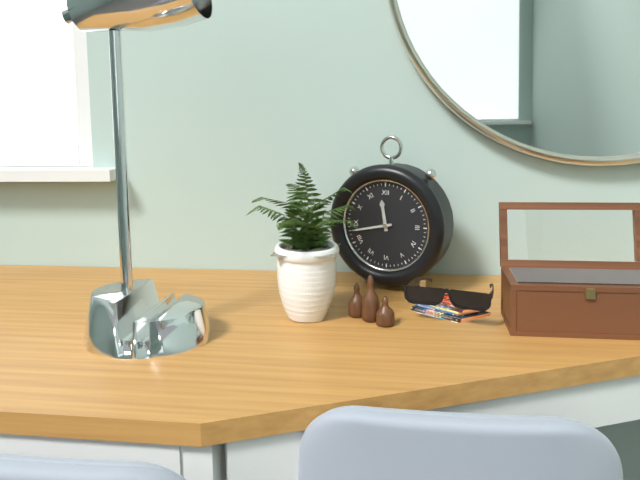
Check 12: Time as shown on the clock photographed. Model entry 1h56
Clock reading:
11h43
